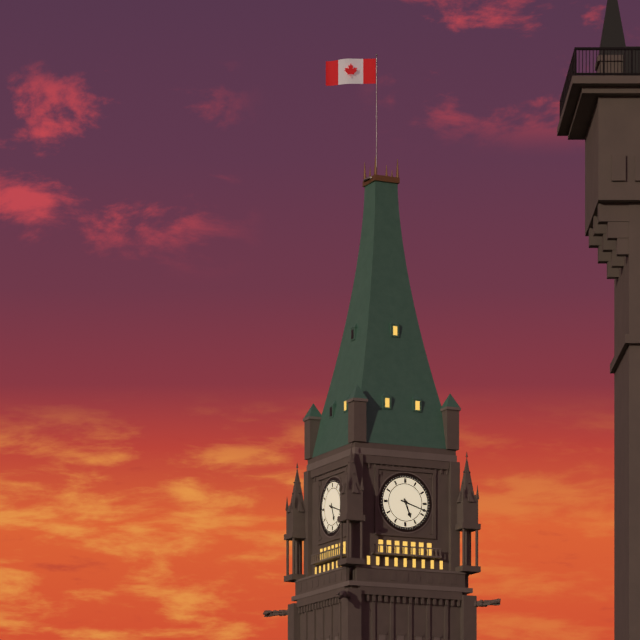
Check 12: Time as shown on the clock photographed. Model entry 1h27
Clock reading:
5h18
